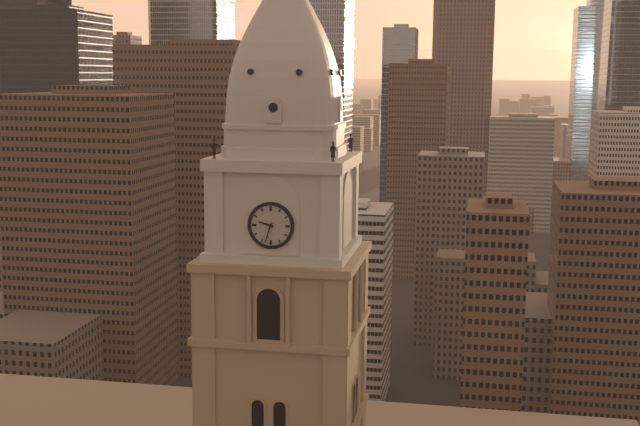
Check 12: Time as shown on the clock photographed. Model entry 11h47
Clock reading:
9h33
